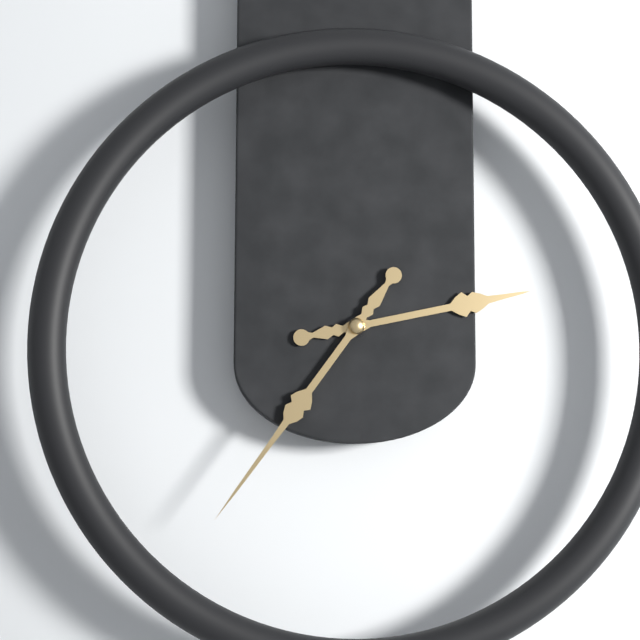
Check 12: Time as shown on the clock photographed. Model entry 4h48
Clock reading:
2h36
